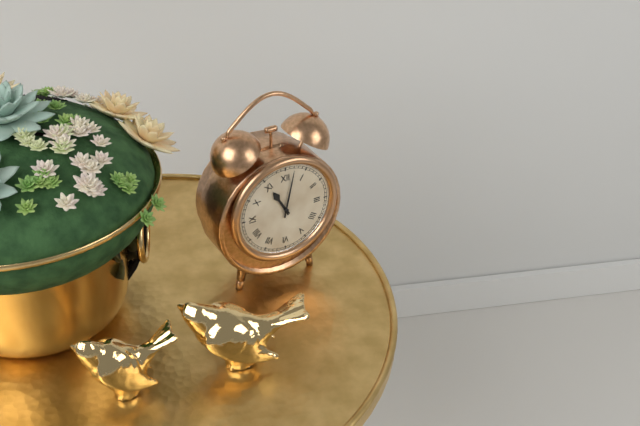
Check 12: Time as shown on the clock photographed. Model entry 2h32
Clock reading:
11h02
